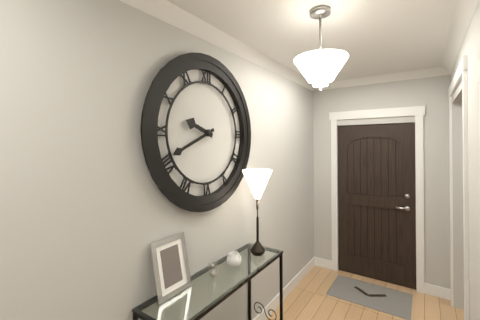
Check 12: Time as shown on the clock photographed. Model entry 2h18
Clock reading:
9h41
